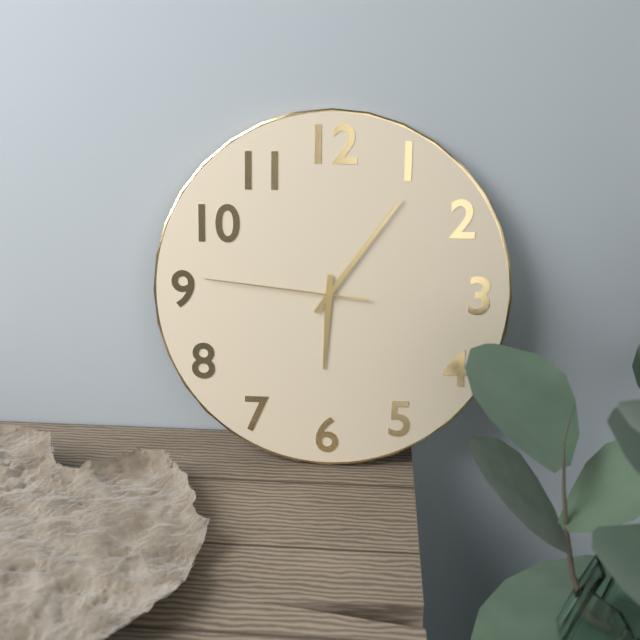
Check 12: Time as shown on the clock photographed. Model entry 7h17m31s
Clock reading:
6h06m46s
